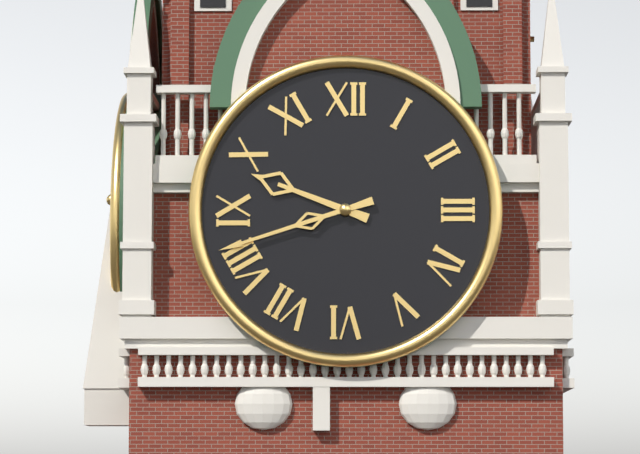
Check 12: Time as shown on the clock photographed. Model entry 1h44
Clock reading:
9h42
